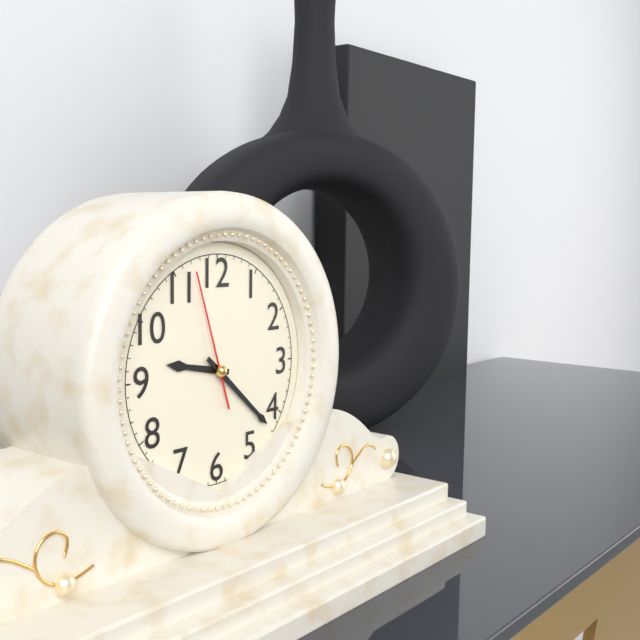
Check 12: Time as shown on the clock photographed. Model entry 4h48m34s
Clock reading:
9h22m57s
